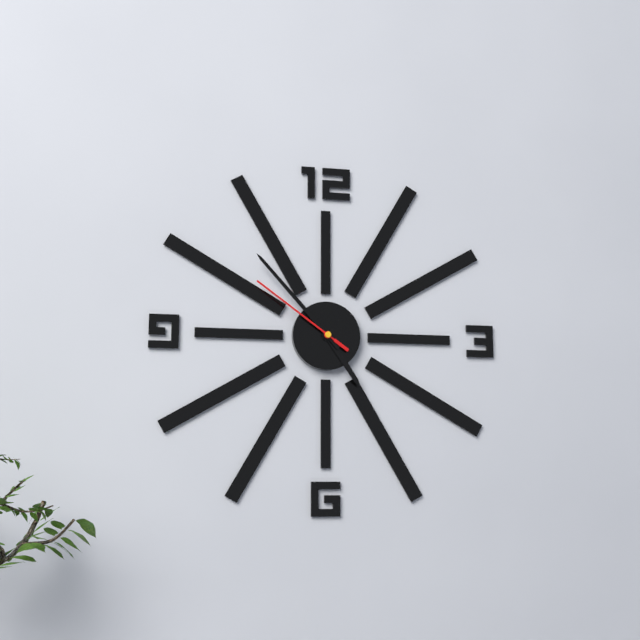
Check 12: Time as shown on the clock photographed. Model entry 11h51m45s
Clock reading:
4h53m51s
